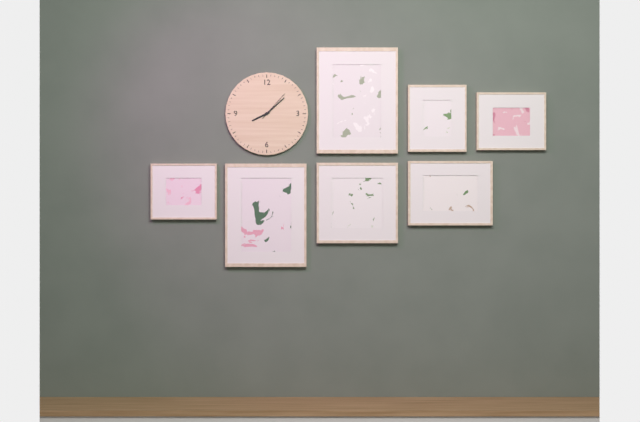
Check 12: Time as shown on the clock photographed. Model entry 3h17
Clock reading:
8h08
